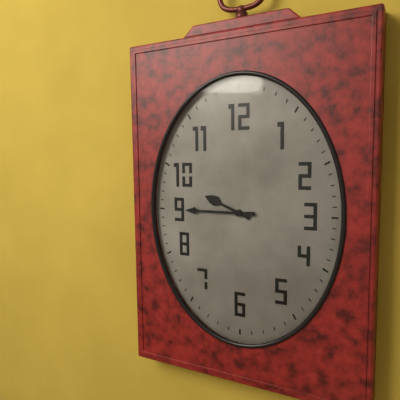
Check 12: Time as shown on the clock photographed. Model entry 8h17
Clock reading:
9h45
